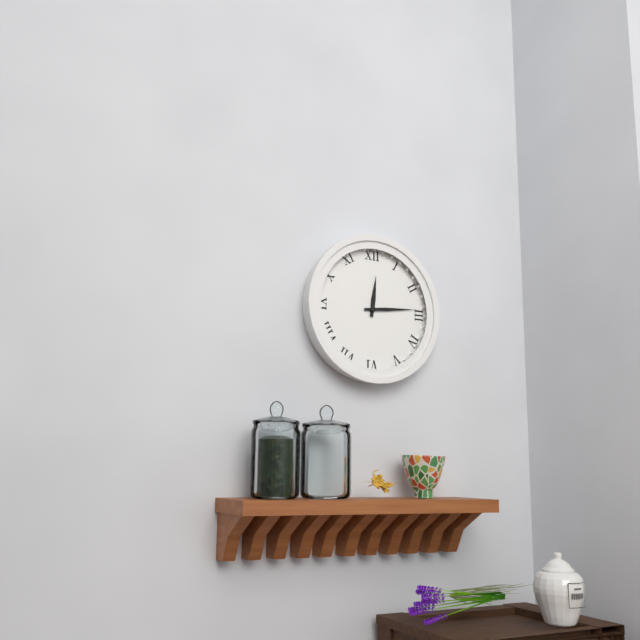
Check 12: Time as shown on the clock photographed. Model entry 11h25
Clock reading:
12h14
